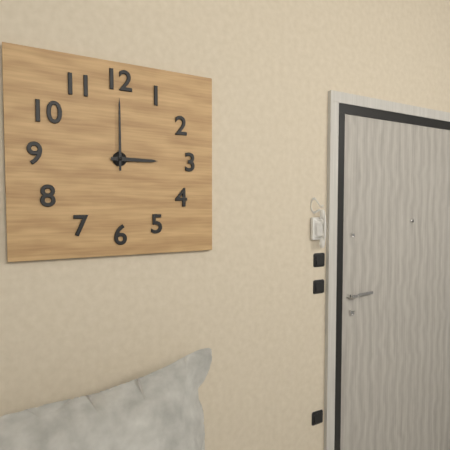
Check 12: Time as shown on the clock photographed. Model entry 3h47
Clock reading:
3h00
